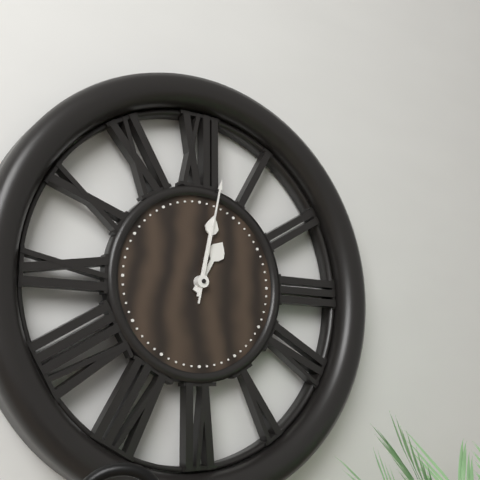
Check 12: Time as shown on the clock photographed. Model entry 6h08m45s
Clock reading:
1h02m02s
